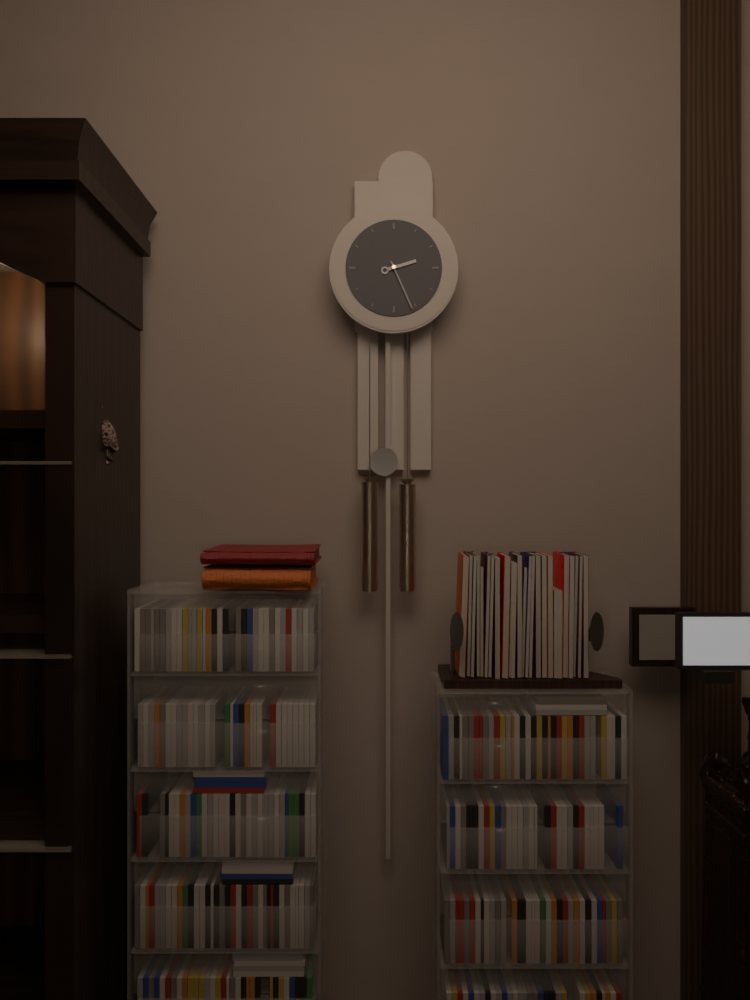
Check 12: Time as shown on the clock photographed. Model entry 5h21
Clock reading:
2h26
